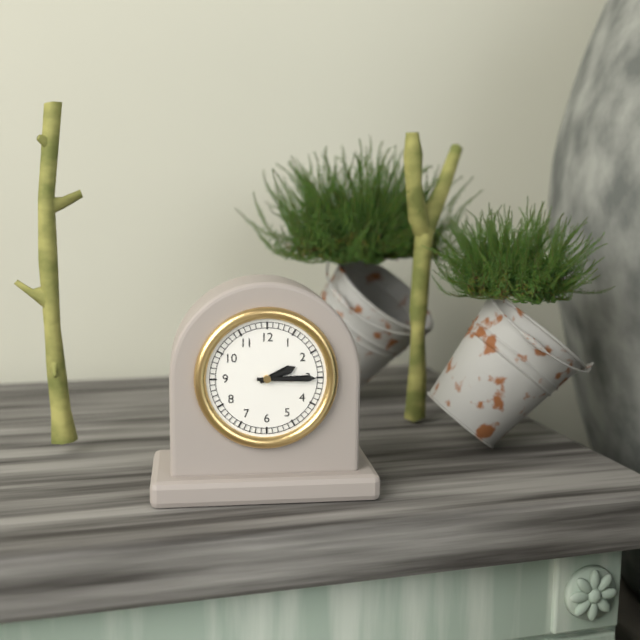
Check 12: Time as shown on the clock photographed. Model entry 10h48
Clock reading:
2h15
